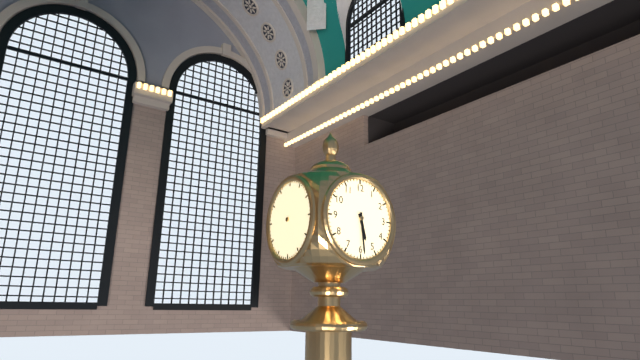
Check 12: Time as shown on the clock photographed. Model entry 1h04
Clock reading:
5h29
